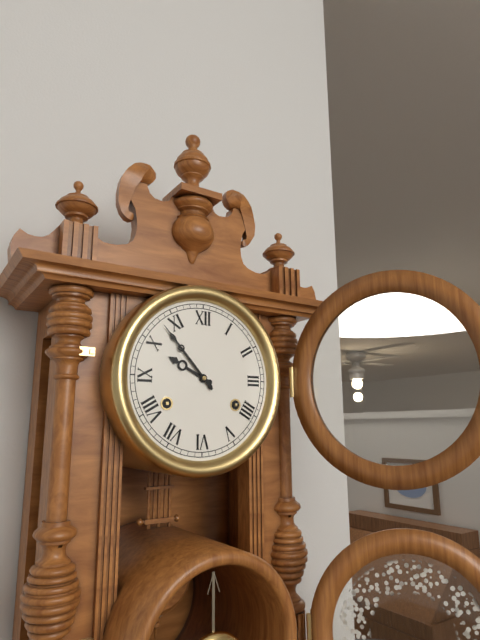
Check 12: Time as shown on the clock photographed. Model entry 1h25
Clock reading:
9h53
